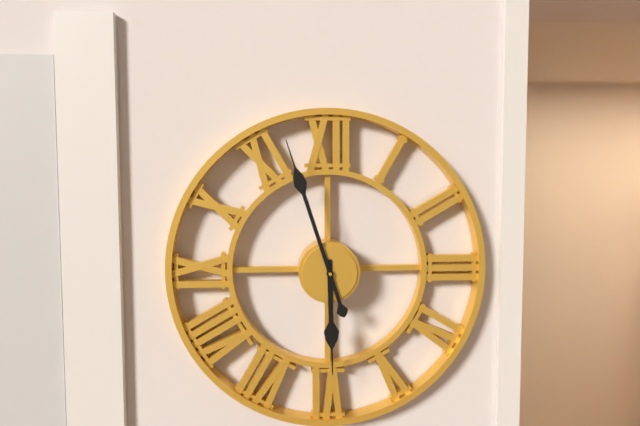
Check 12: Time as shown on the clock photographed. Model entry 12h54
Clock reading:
5h57
